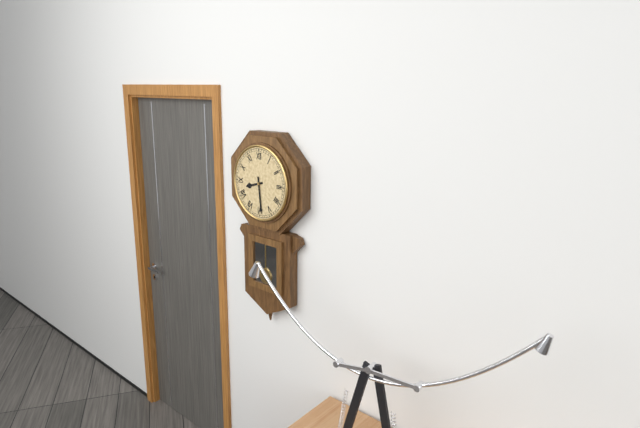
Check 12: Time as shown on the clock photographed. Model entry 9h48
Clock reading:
8h29
